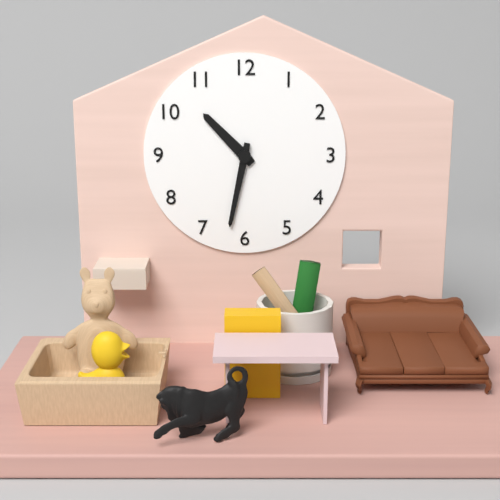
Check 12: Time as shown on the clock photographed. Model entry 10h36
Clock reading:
10h32
